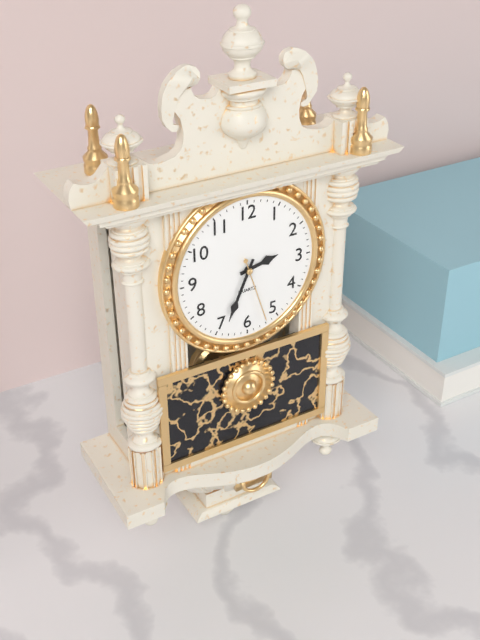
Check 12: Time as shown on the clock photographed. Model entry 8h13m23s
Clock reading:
2h34m27s
